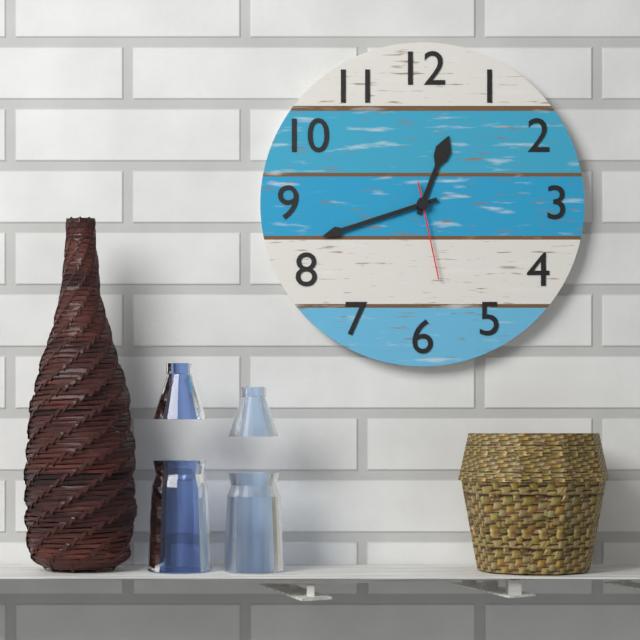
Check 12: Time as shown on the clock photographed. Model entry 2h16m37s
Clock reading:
12h42m28s
